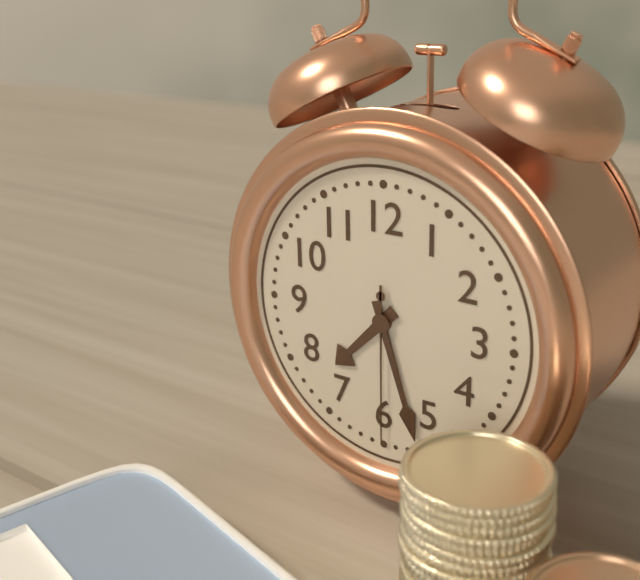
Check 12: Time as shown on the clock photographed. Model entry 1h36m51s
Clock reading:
7h27m30s
